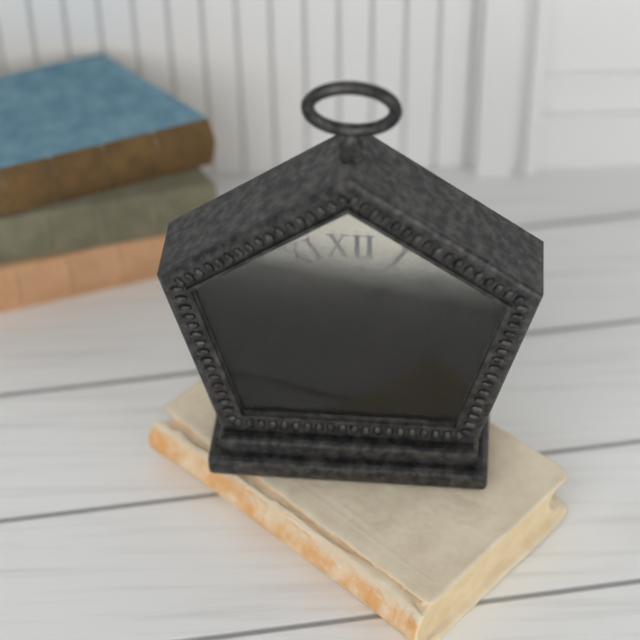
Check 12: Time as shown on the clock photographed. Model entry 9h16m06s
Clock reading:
1h35m53s
